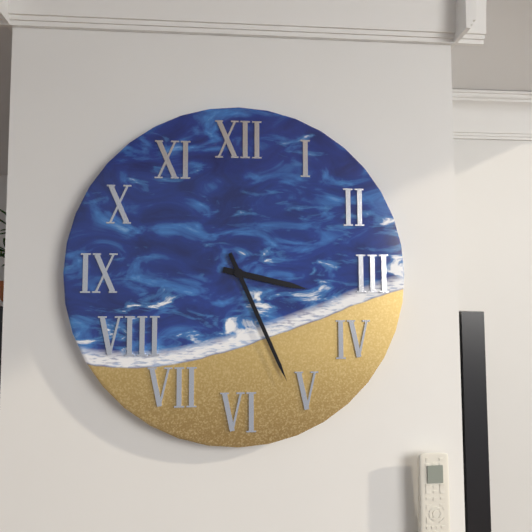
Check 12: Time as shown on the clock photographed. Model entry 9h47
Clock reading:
3h26
